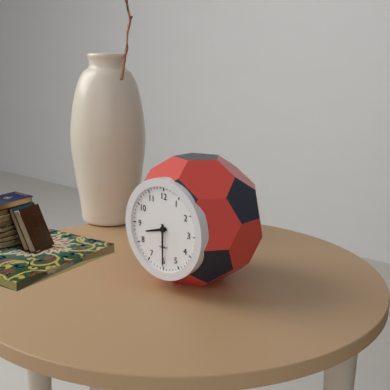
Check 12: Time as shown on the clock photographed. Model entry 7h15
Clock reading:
8h30
